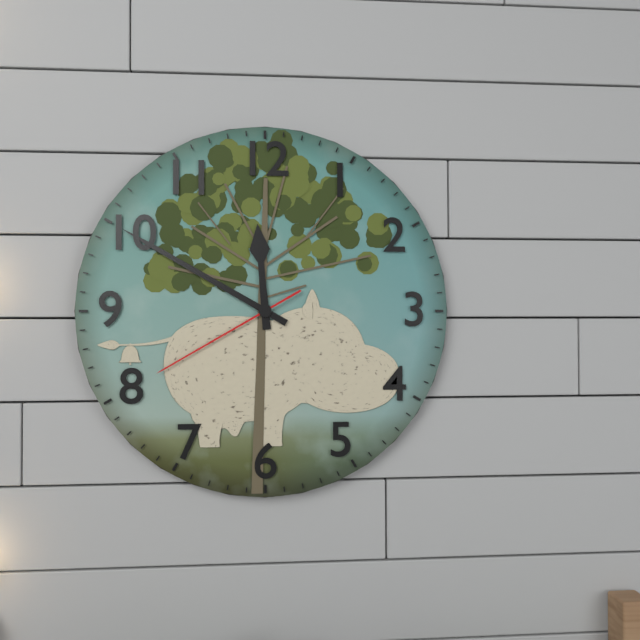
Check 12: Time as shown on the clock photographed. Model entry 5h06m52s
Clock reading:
11h50m40s
